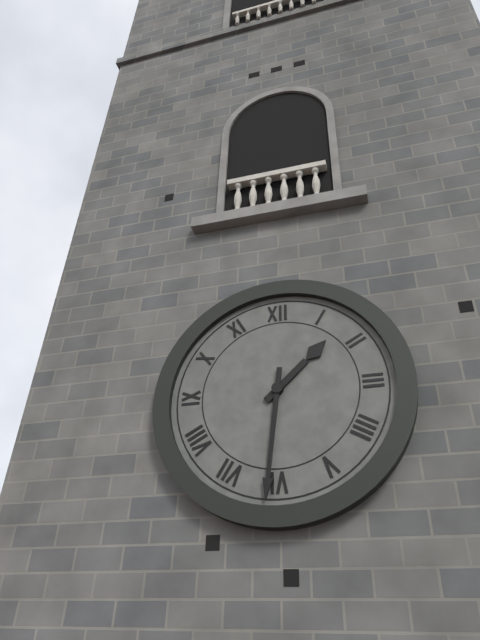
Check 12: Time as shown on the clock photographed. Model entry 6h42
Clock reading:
1h31
